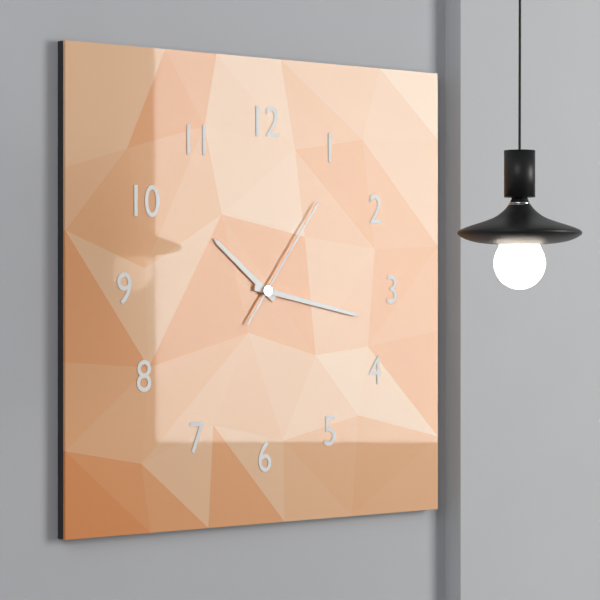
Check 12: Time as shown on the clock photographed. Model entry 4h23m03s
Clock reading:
10h17m06s
